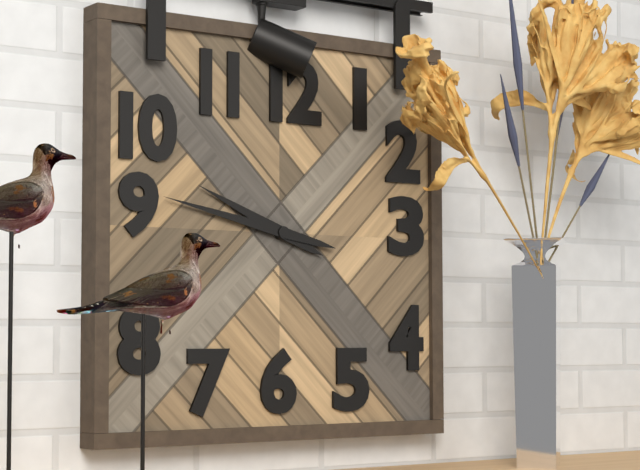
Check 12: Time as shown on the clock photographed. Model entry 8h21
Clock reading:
9h47
